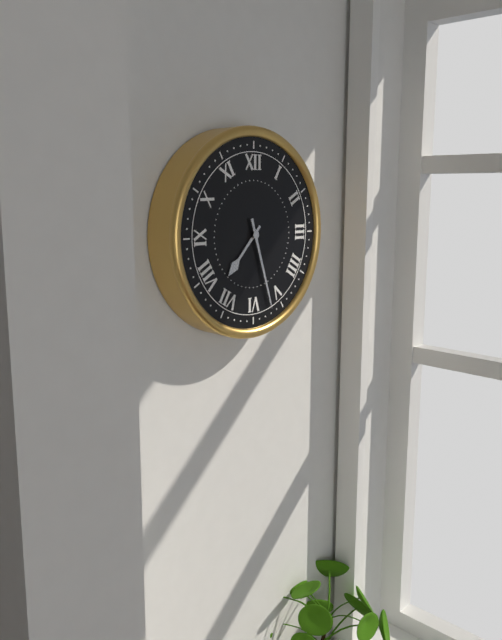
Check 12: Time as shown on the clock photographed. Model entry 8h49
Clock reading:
7h27
